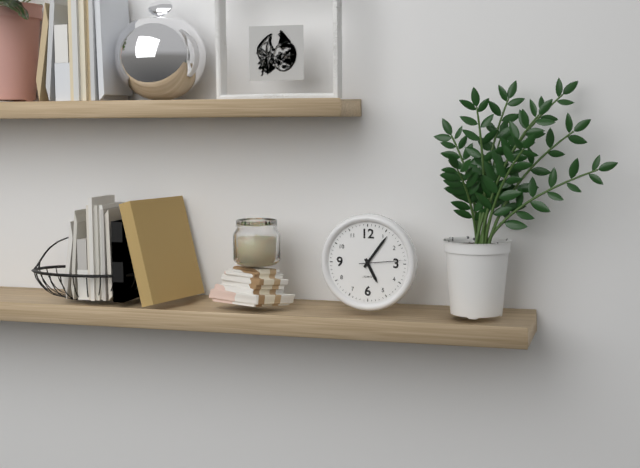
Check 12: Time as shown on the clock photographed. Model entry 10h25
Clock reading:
5h06
